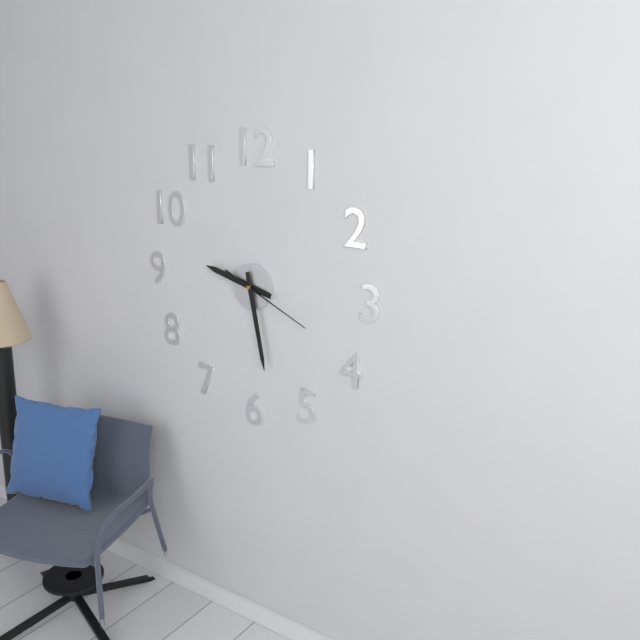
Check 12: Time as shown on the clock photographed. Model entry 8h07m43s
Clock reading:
9h28m19s
